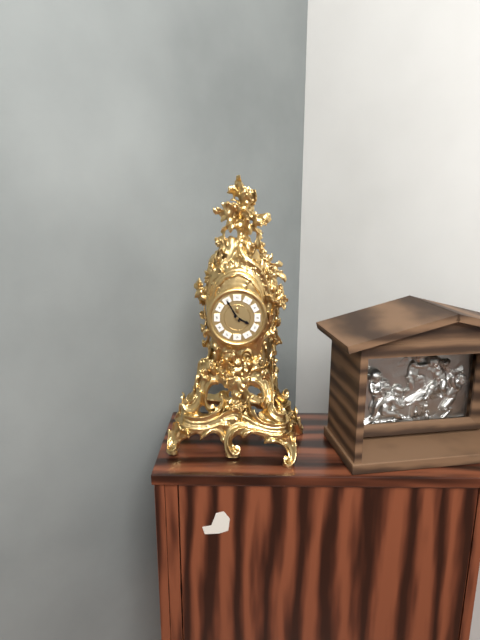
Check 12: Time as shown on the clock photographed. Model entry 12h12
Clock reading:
3h55
